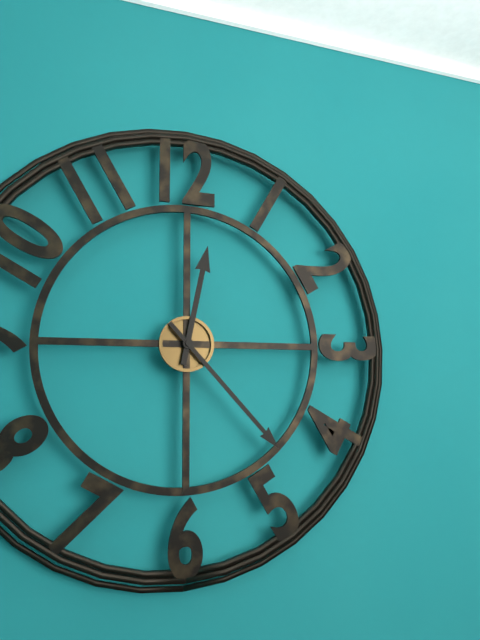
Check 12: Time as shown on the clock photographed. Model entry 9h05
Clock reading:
12h23
